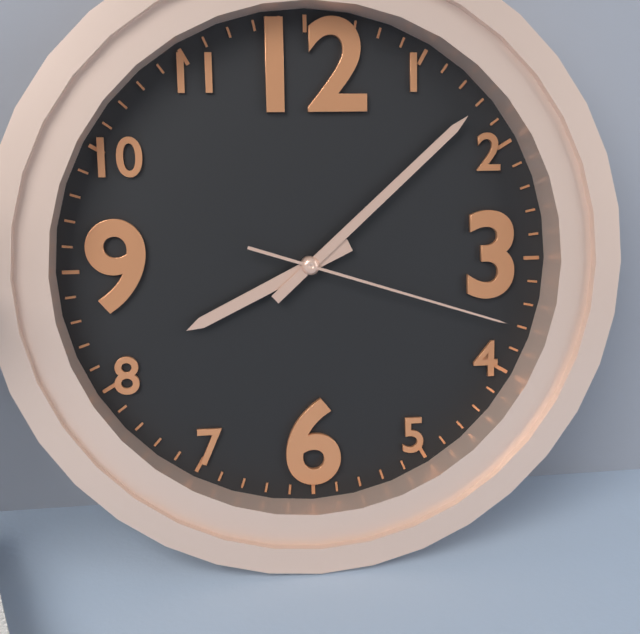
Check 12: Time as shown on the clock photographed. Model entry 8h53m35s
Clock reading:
8h08m18s
